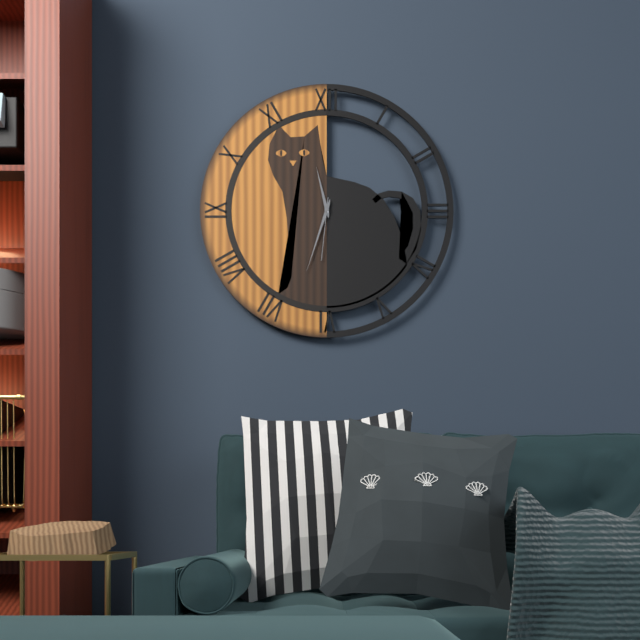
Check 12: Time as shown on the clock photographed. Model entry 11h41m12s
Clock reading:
11h33m31s
